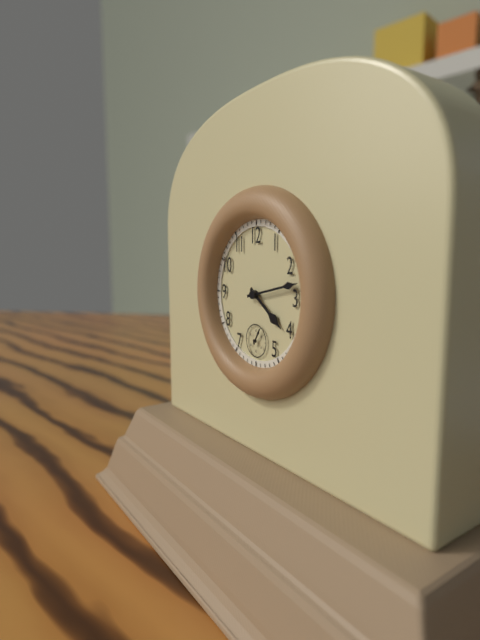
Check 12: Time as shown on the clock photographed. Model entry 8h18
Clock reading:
4h13
